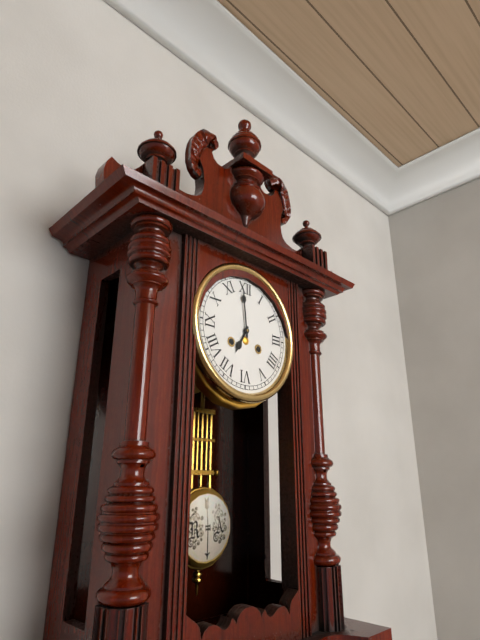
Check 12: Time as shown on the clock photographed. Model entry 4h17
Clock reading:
6h59
